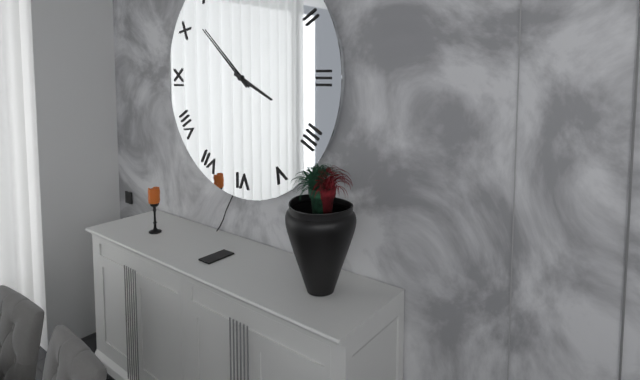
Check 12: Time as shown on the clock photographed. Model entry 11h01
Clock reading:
3h52
